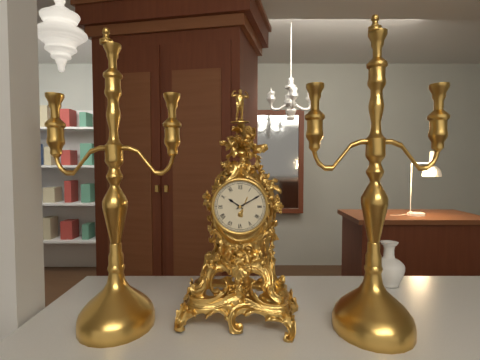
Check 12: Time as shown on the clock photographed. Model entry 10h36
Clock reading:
10h10
